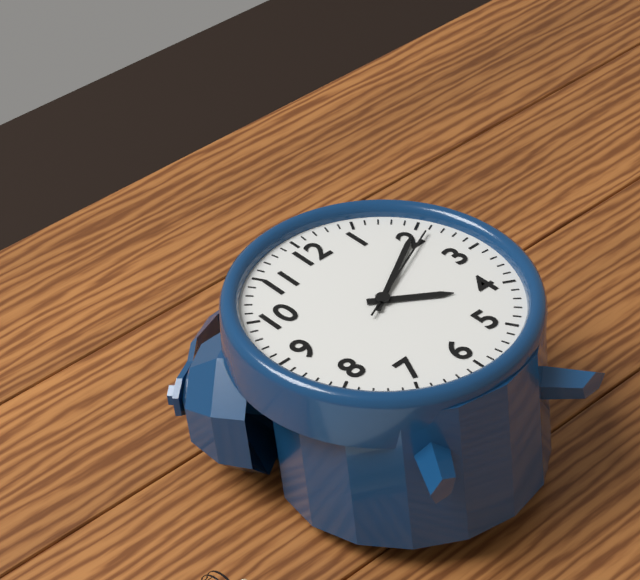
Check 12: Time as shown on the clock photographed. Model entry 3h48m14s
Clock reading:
4h10m11s
